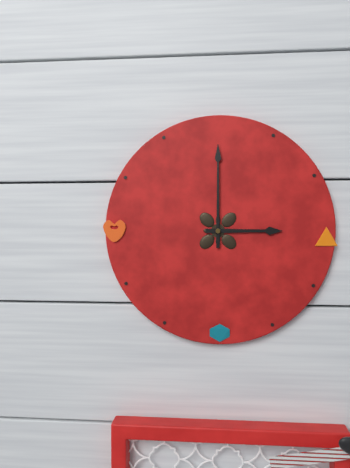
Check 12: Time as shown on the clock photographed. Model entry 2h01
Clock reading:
3h00
